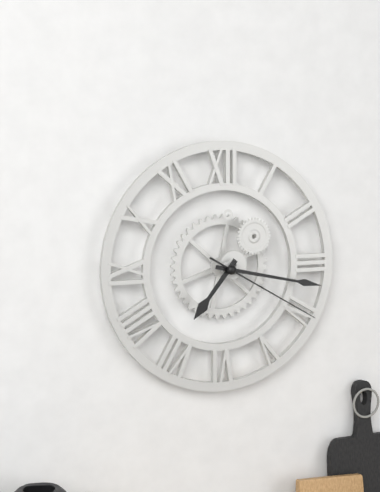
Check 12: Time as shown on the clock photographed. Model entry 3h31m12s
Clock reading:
7h17m20s
